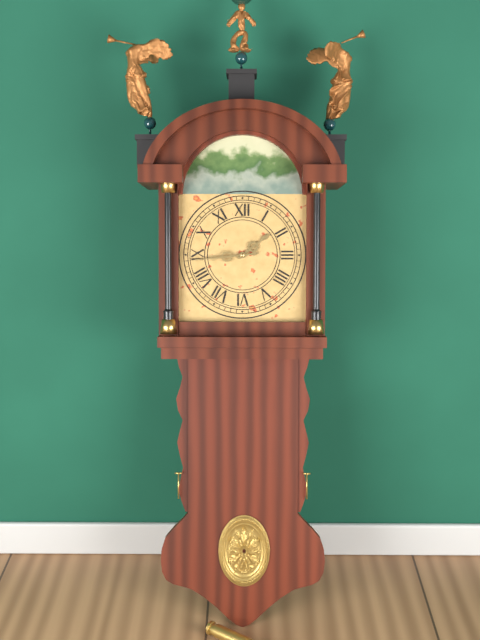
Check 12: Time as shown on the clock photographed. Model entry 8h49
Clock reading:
1h44
